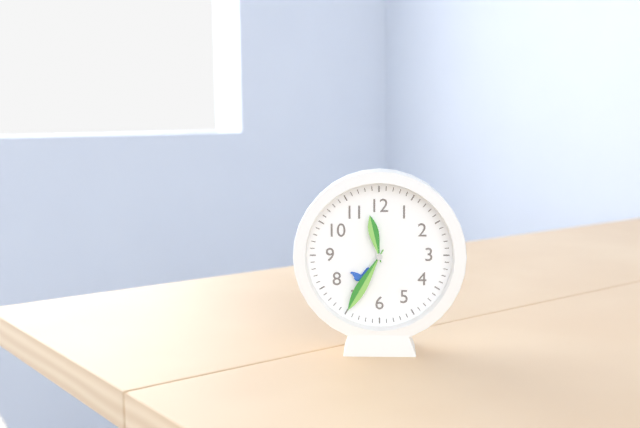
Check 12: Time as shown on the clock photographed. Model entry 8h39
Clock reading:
11h35
